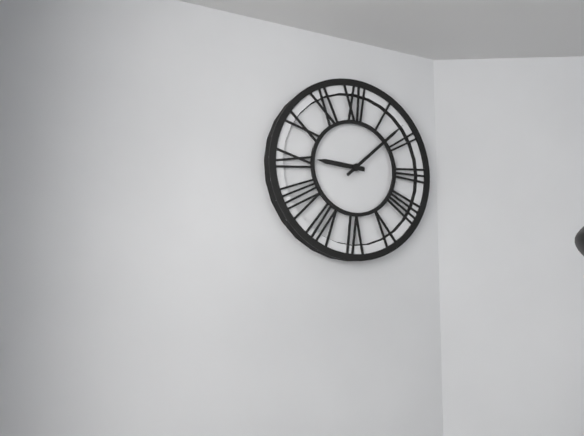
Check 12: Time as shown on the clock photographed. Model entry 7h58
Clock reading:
9h08
